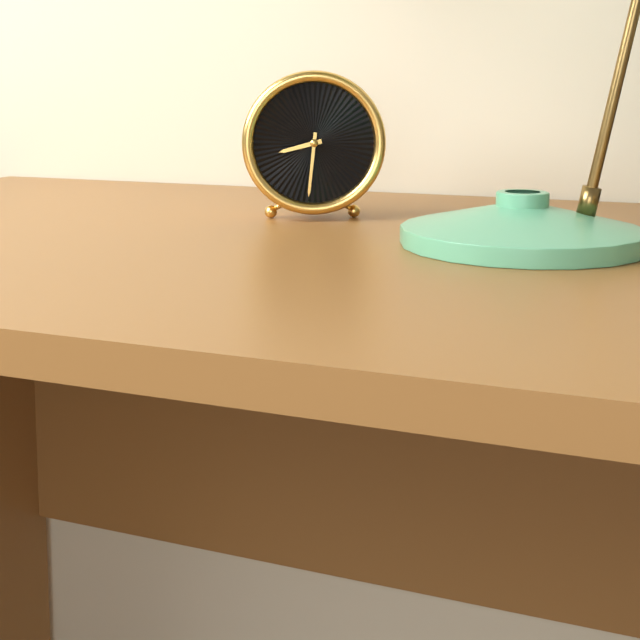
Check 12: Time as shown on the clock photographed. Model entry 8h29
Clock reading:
8h31
